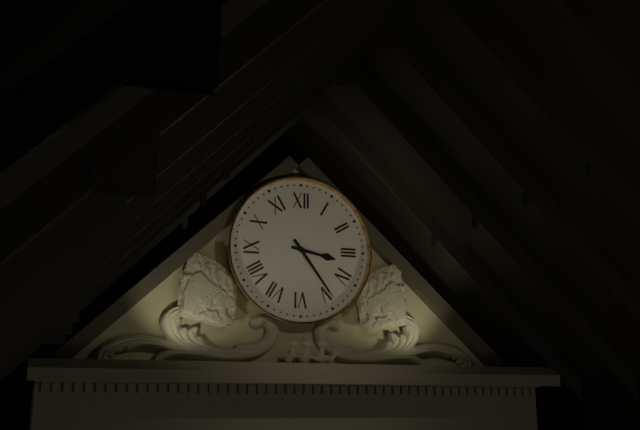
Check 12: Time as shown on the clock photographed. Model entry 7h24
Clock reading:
3h24
